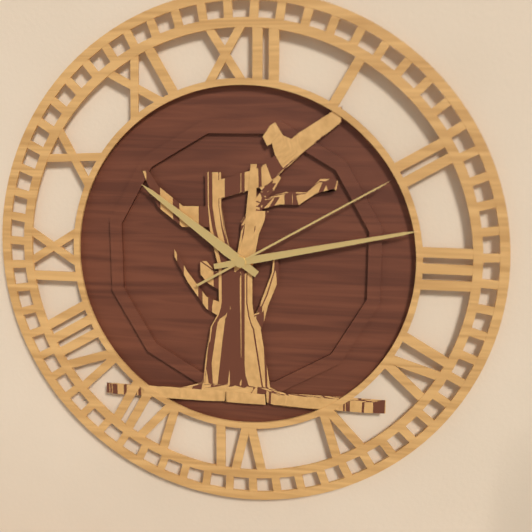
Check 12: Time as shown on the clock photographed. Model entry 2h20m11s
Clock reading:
10h13m10s
